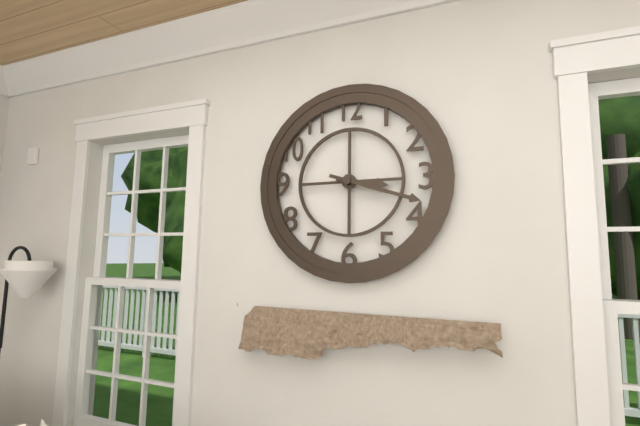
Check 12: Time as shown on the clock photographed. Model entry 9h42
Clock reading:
3h18
